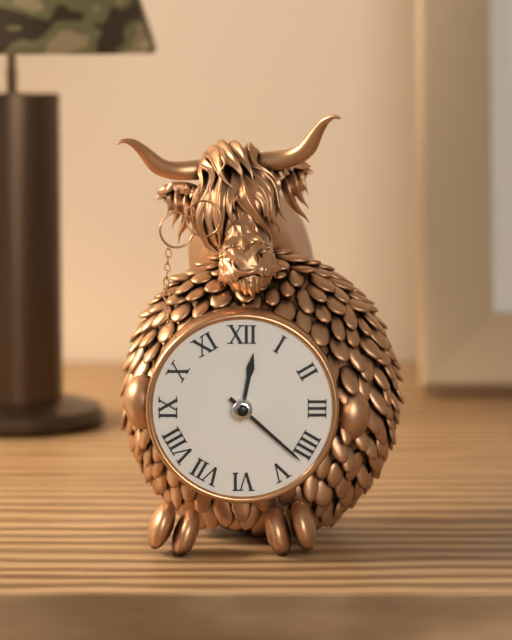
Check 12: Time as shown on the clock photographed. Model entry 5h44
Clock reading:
12h22
